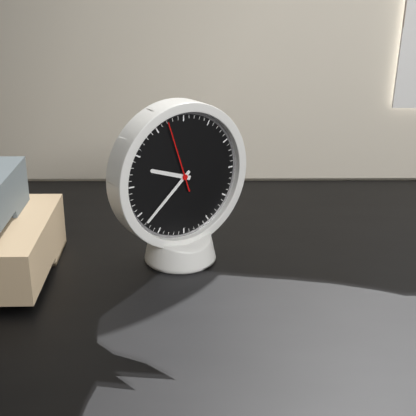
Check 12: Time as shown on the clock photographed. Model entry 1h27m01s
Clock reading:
9h38m57s
